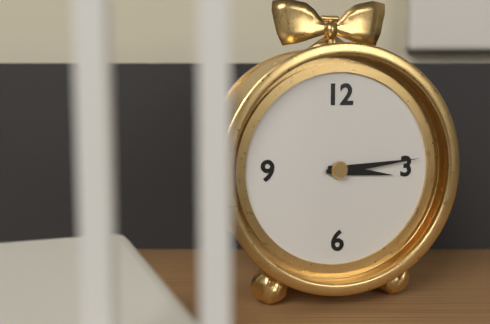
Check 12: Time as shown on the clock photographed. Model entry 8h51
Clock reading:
3h14
